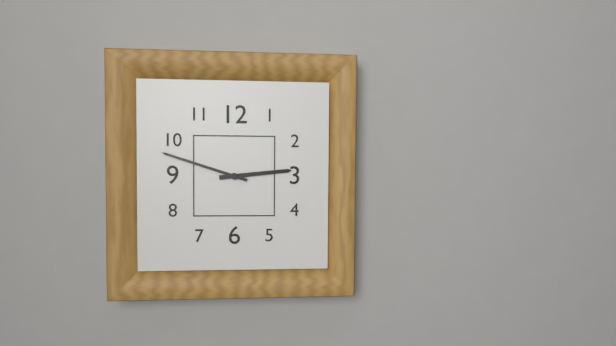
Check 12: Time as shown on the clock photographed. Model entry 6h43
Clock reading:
2h48
